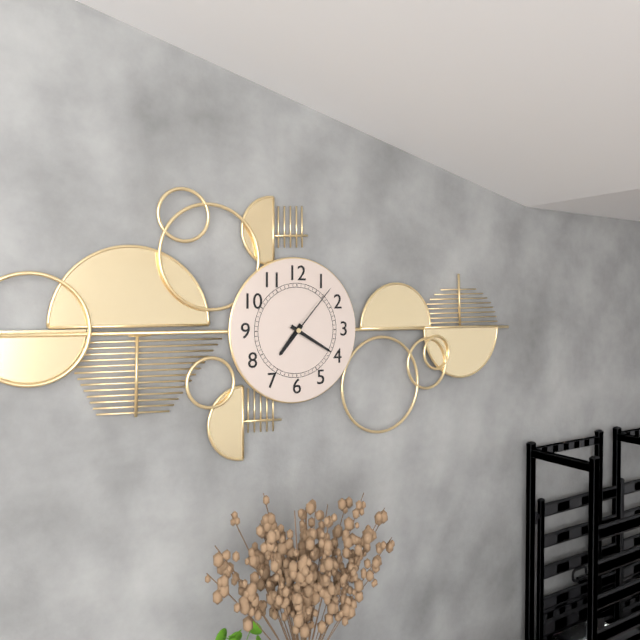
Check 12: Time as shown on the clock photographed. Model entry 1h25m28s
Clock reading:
7h20m07s
